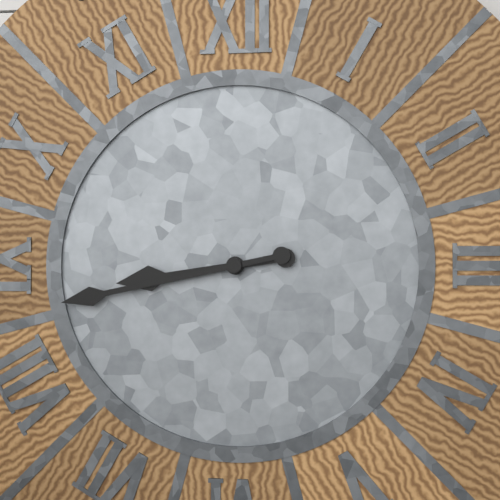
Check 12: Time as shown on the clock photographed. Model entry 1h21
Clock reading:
8h43
